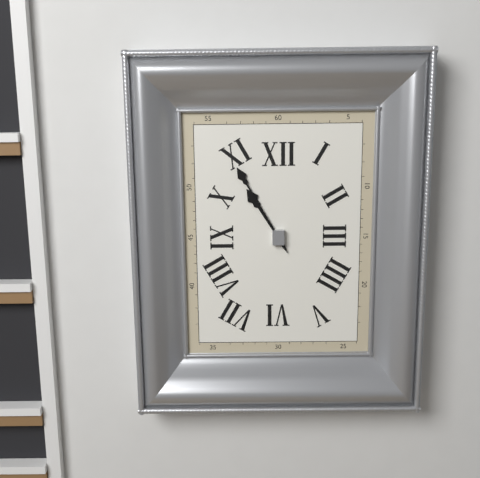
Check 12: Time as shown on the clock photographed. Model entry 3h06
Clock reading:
10h55
